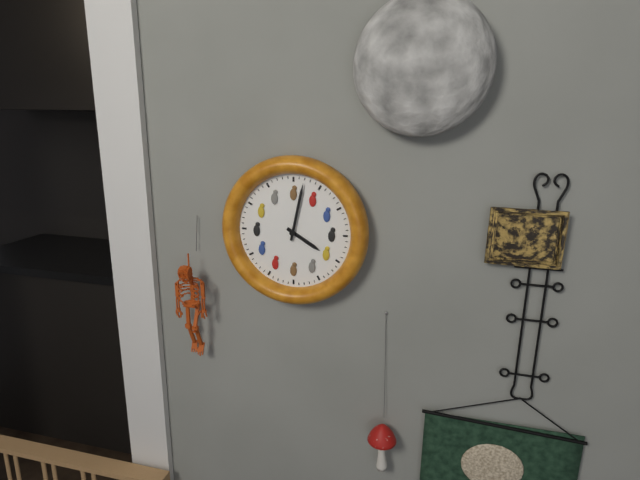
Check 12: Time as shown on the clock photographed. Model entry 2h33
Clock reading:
4h02
